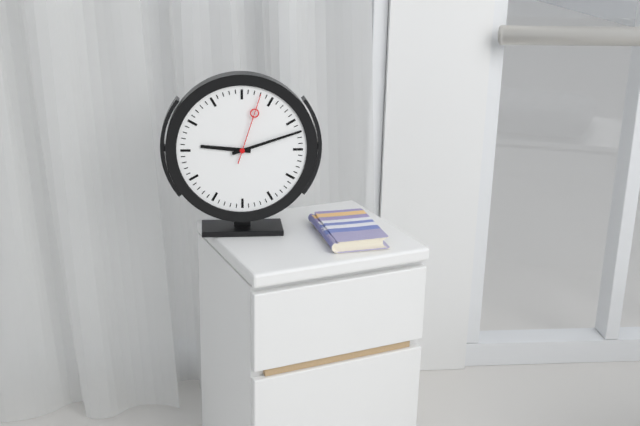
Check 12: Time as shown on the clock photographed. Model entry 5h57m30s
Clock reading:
9h12m03s
